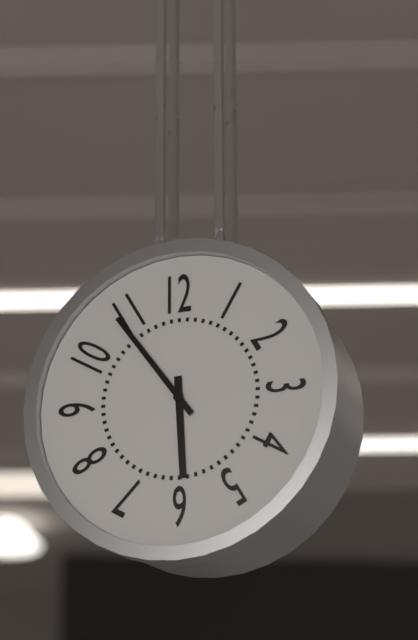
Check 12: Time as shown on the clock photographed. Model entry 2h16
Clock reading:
5h54
